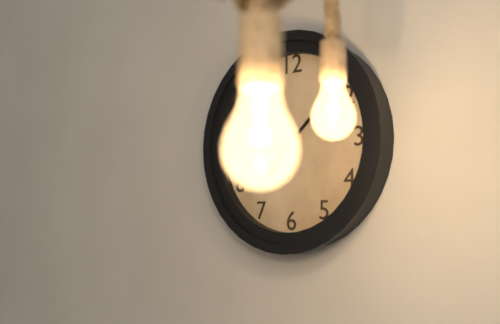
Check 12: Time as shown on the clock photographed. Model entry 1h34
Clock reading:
7h08
